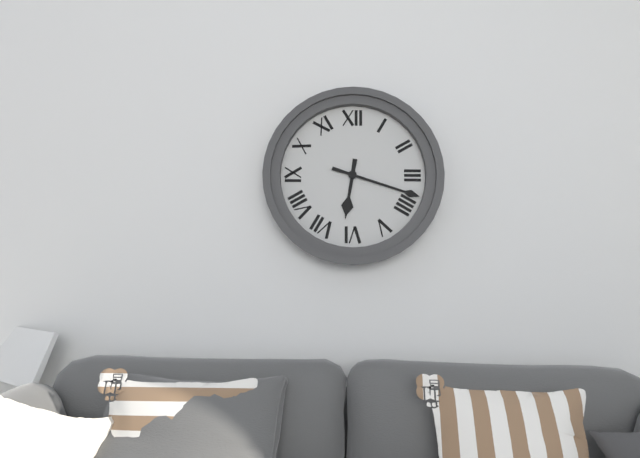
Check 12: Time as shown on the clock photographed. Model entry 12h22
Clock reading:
6h18
